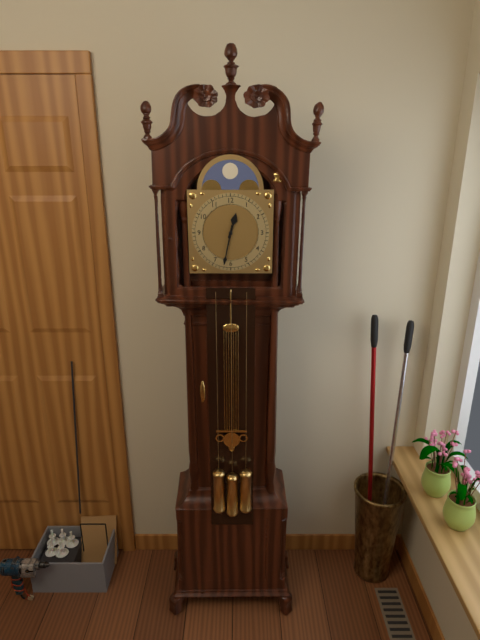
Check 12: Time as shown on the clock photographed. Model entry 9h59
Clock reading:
12h32
